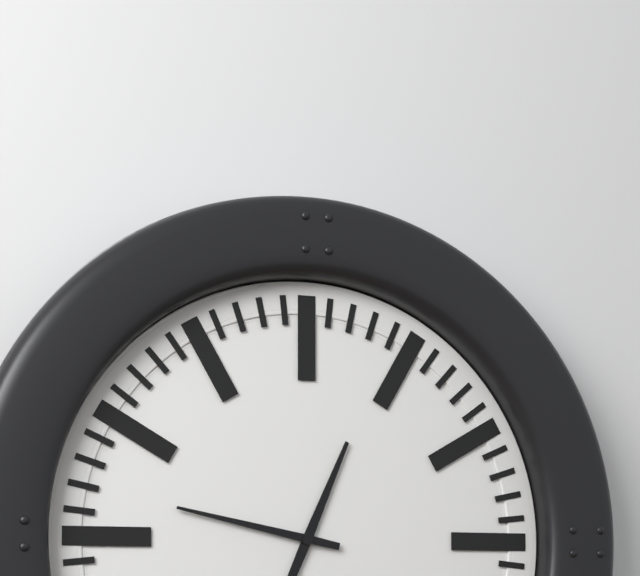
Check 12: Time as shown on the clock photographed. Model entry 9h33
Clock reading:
12h47
